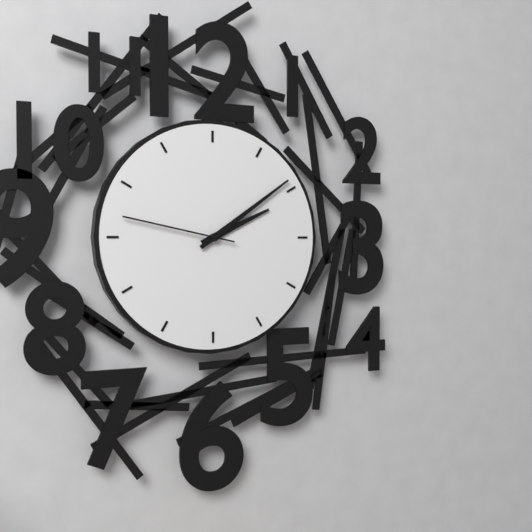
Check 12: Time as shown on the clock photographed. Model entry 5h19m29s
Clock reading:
2h09m47s
